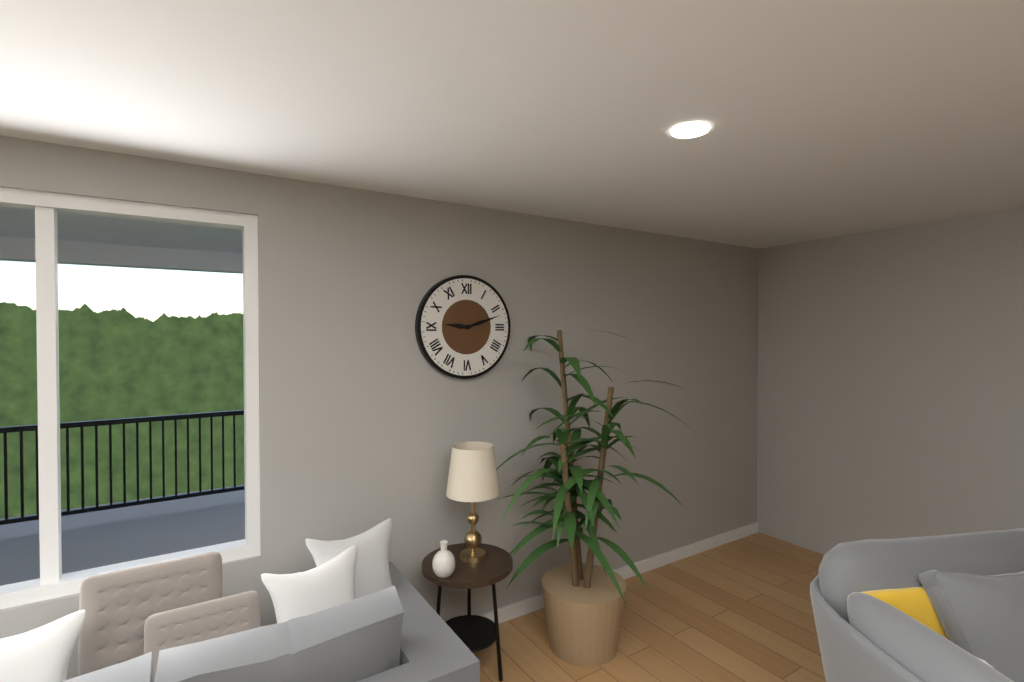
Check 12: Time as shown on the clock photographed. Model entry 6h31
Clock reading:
9h12
